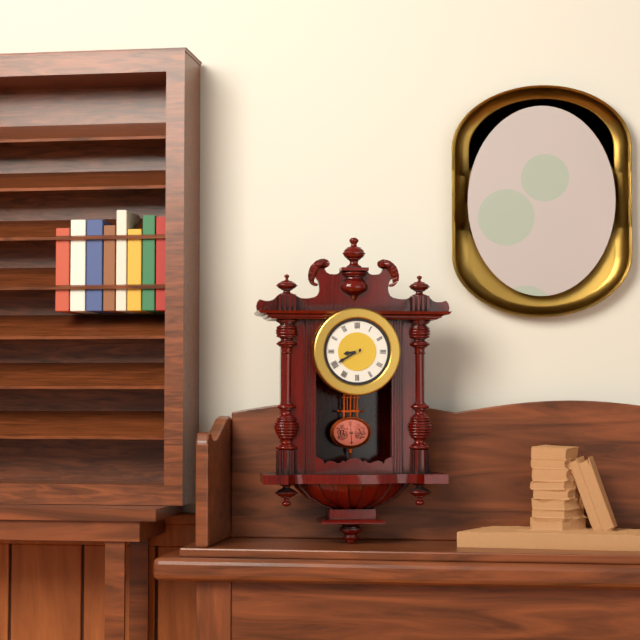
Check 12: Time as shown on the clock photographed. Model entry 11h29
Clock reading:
8h40
